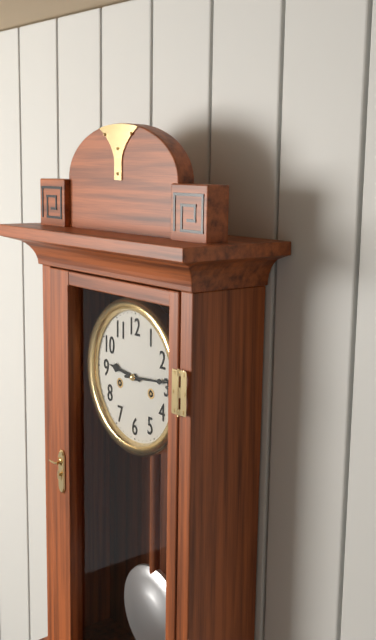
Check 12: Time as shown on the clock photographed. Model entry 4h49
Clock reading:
9h14
